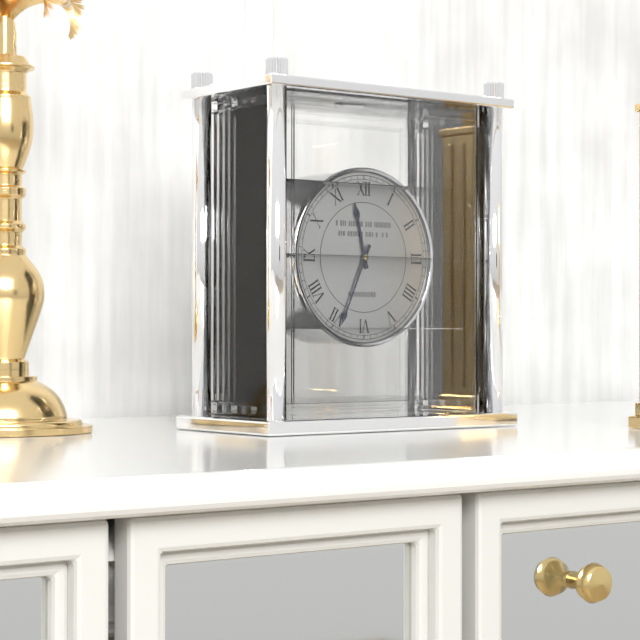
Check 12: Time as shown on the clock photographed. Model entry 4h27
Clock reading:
11h34
